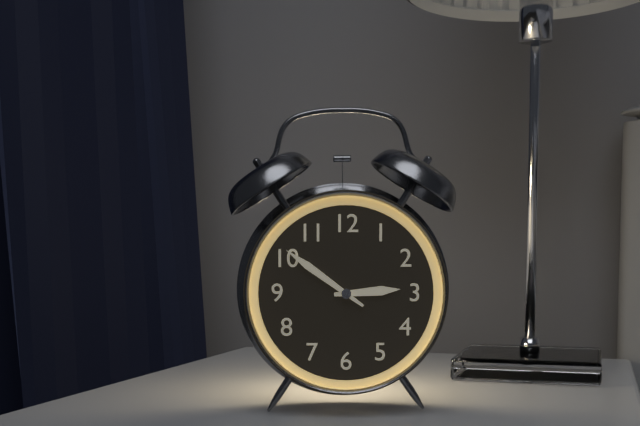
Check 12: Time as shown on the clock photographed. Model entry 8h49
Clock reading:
2h51
